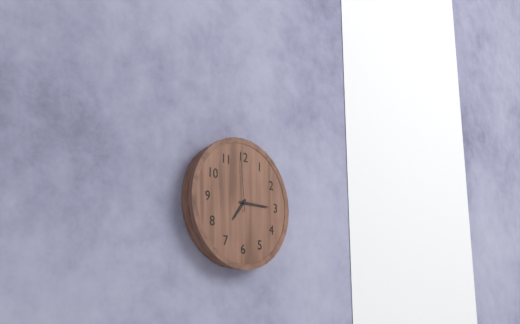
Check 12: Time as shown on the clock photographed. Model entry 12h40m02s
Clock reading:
7h15m59s
